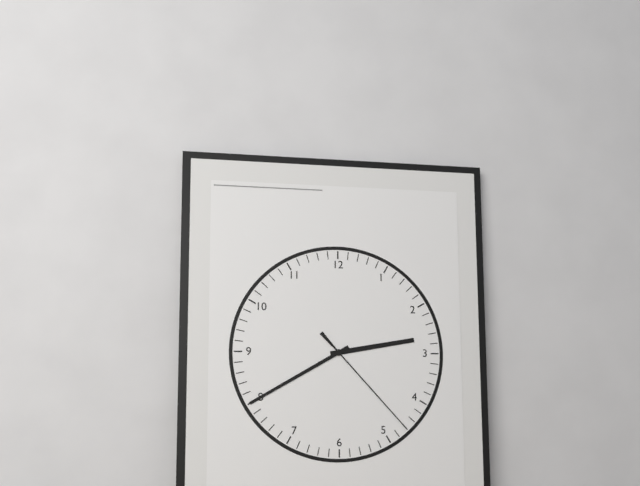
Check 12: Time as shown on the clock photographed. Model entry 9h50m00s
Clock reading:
2h40m23s
